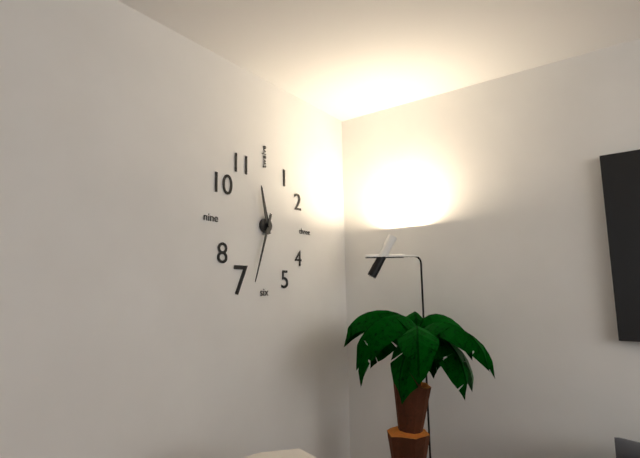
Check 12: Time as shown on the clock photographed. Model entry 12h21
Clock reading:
11h33
